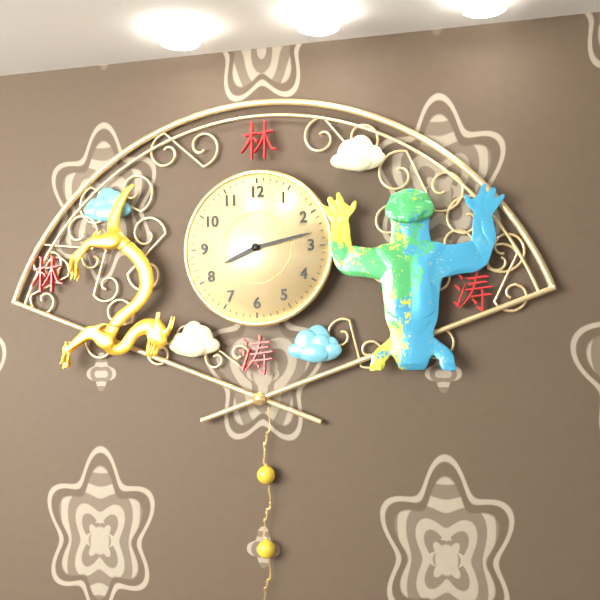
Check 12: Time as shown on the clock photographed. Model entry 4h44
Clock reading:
8h13
